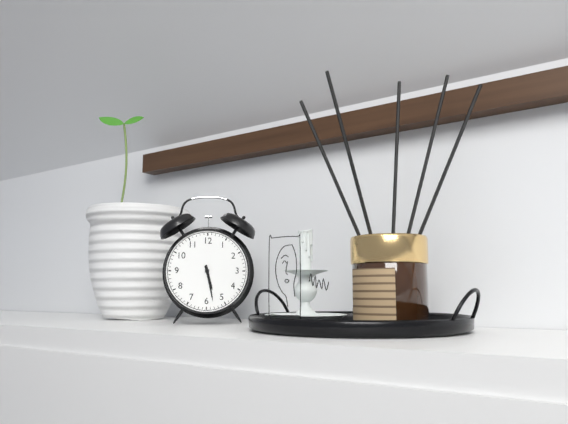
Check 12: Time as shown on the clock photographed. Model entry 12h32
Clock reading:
5h28
